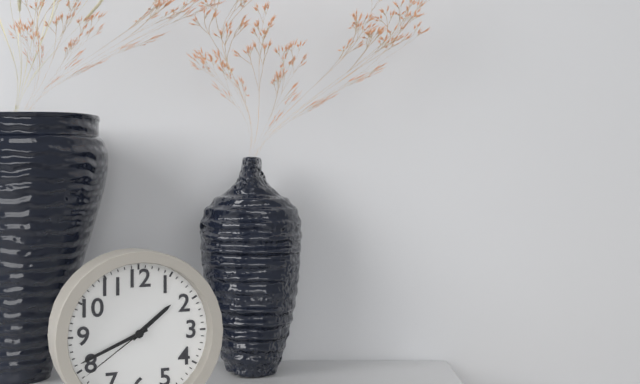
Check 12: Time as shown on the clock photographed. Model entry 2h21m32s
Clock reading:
1h41m39s
